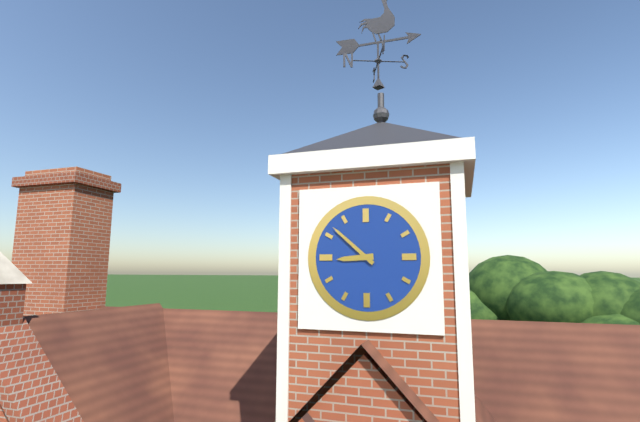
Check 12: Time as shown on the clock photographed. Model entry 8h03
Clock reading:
8h52
